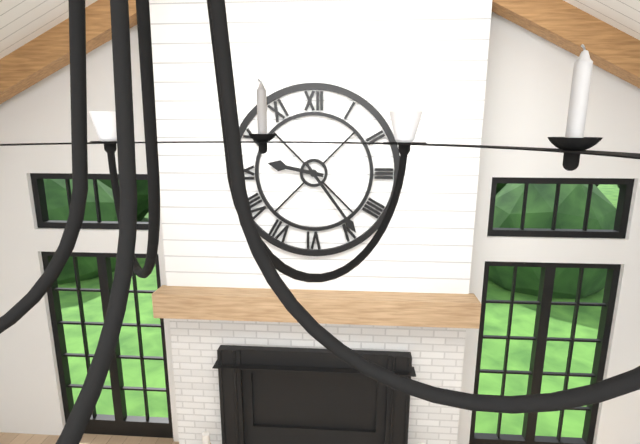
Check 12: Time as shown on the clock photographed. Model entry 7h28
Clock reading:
9h24
